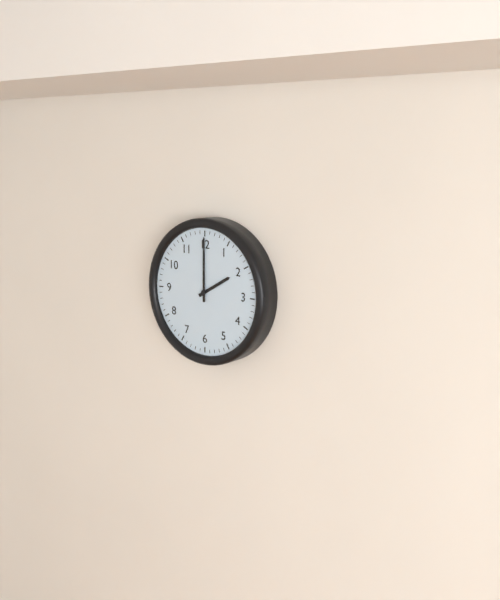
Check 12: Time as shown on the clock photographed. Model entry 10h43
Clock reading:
2h00
